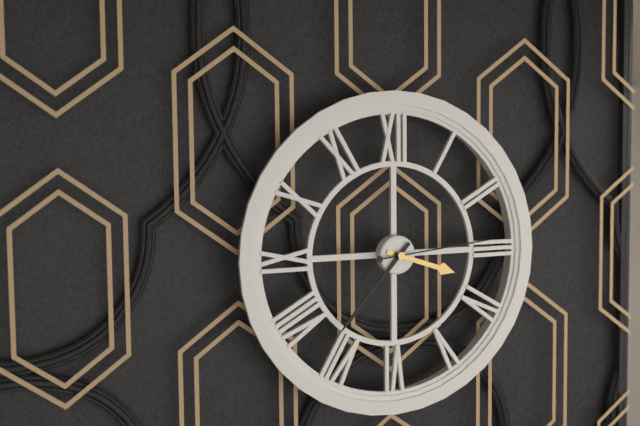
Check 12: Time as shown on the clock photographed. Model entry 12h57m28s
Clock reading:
3h37m14s
